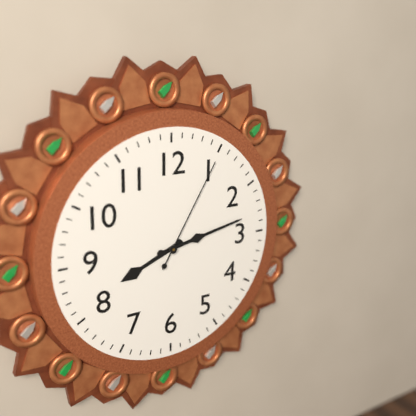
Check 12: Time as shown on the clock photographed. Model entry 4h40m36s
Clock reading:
8h13m05s
